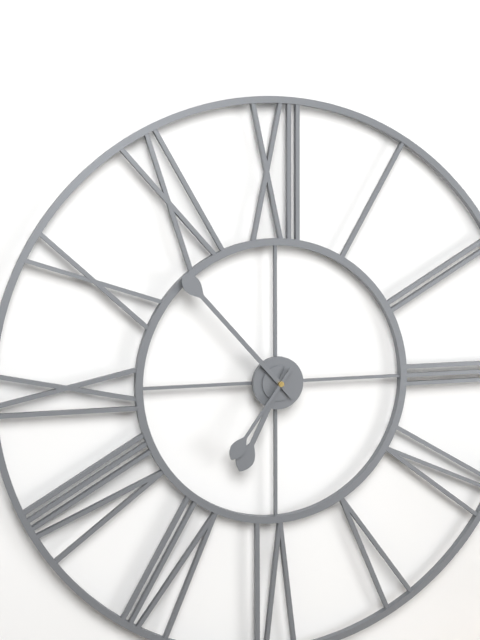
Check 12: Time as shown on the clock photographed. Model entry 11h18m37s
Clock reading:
6h53m36s
